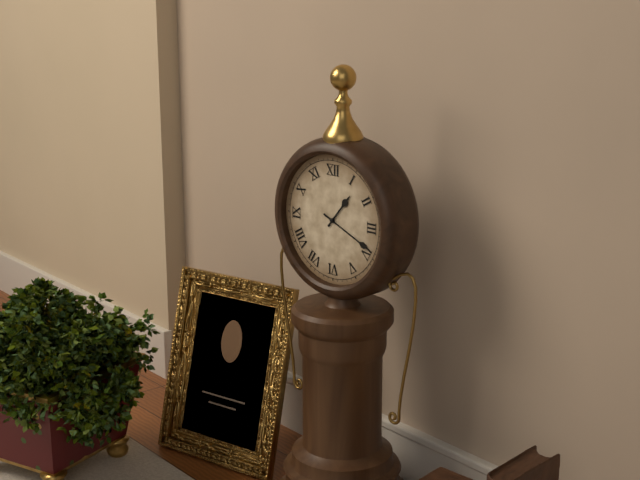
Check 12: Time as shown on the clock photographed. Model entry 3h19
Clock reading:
1h19
